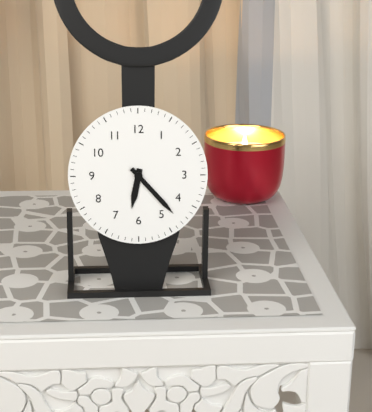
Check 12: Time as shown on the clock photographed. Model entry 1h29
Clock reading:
6h23
